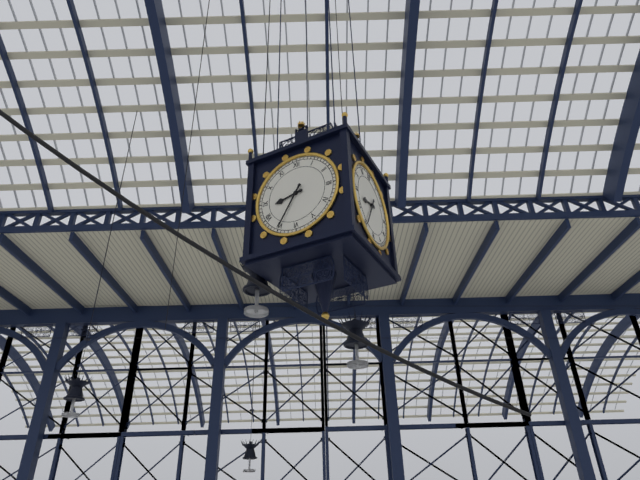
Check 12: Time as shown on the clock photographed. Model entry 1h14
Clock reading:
8h35
